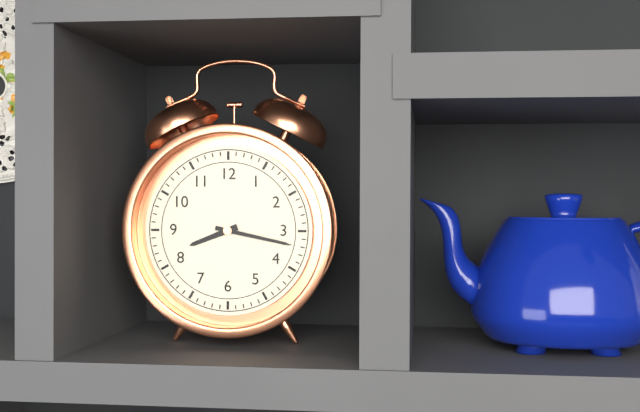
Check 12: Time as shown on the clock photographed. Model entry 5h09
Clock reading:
8h17
